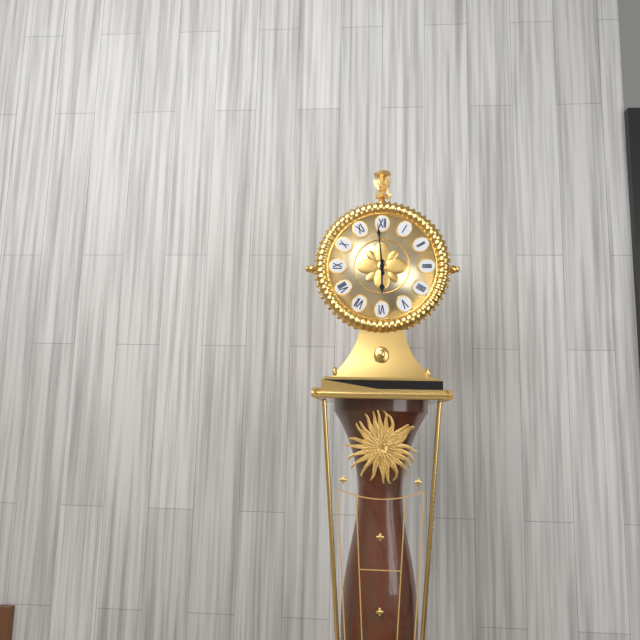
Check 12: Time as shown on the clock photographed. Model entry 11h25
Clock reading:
5h59
